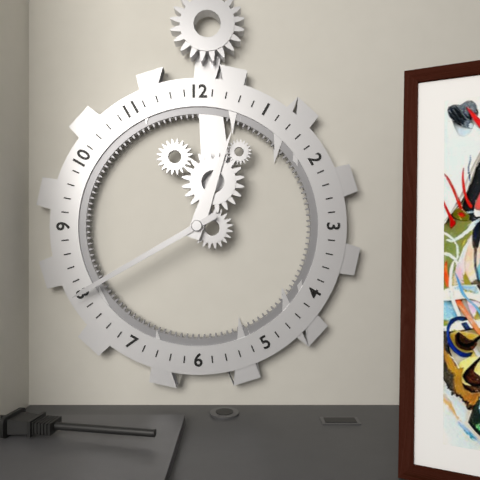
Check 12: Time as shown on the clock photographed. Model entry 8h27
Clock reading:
12h40
